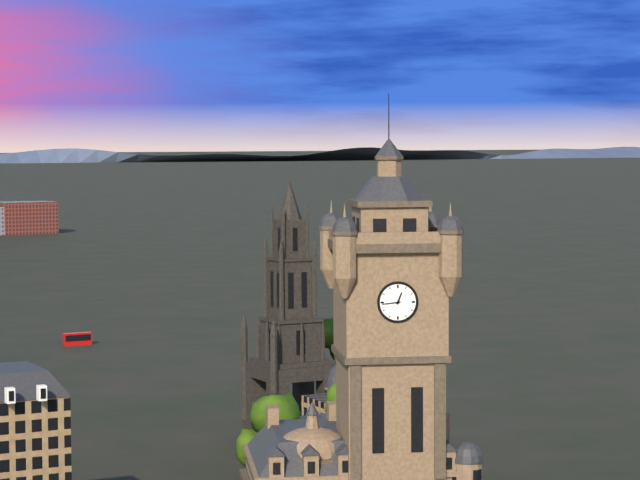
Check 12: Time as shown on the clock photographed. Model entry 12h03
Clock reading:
12h44
